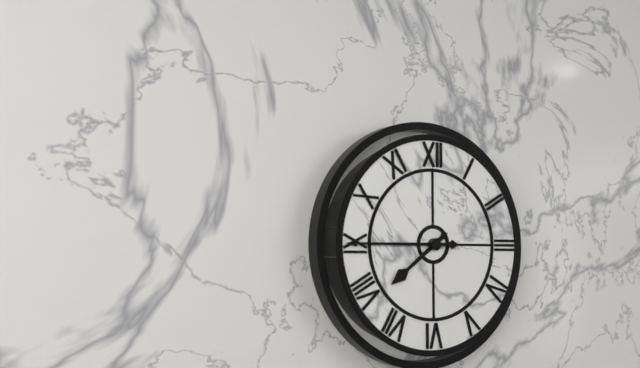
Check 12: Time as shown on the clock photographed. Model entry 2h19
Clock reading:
7h45
